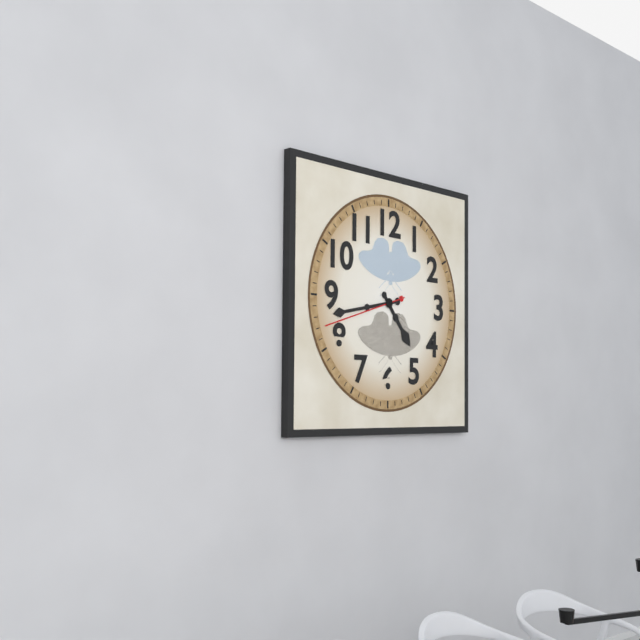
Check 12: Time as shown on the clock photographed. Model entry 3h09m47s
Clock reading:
4h43m42s
